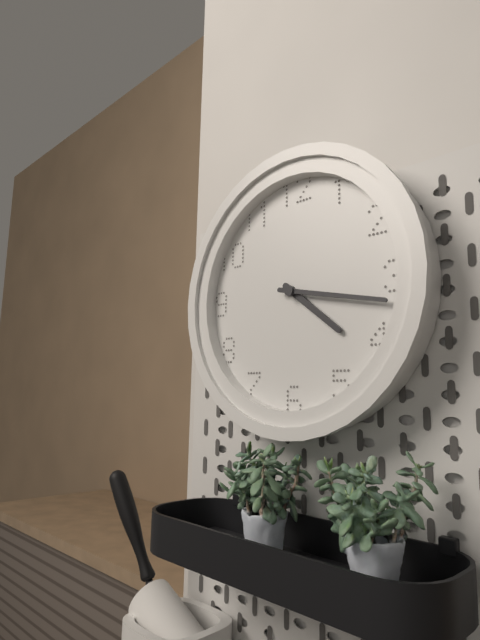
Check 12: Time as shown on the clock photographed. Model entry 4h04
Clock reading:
4h17
